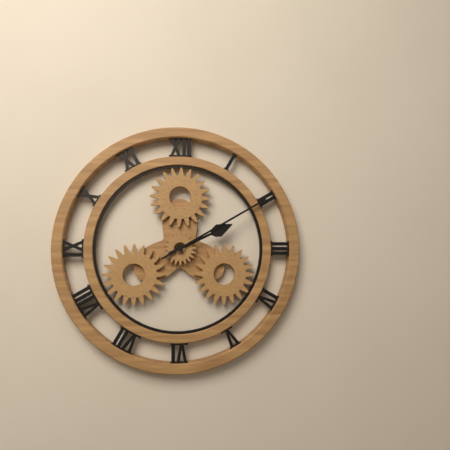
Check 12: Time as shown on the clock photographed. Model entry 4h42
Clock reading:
2h10
